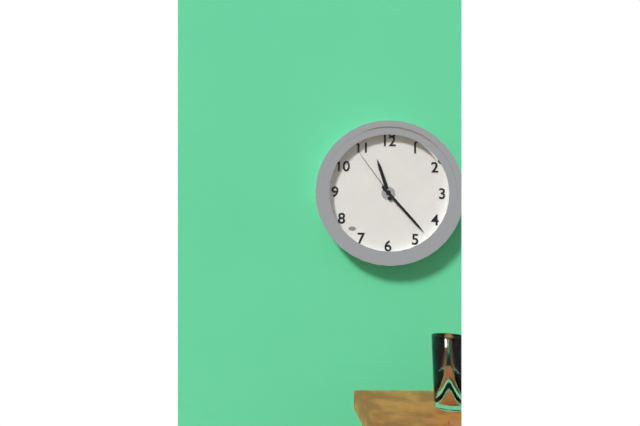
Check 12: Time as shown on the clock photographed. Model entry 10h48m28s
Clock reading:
11h23m54s
